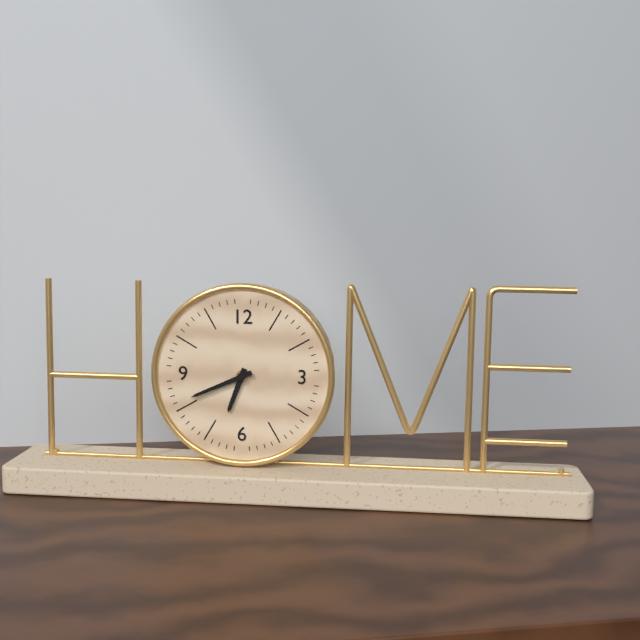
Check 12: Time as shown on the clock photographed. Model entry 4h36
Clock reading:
6h41
